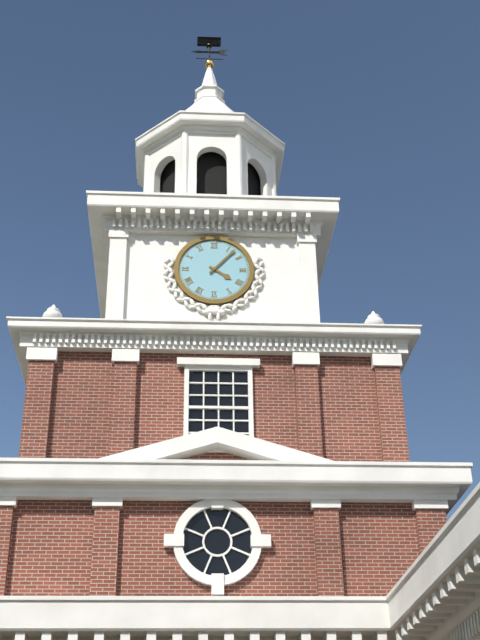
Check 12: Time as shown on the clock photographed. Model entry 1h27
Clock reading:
4h07
